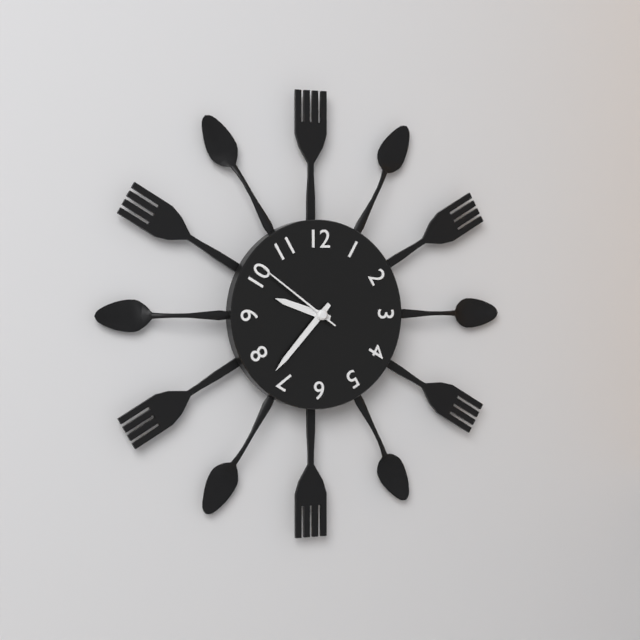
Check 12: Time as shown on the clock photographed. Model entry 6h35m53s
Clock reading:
9h37m51s
